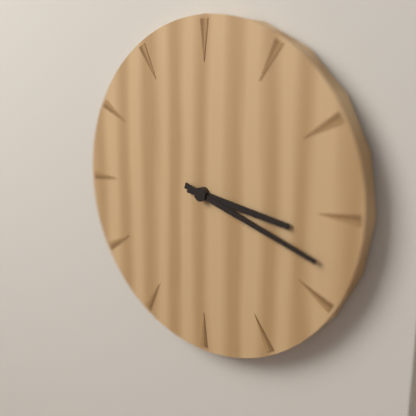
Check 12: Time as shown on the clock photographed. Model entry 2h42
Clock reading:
3h18
